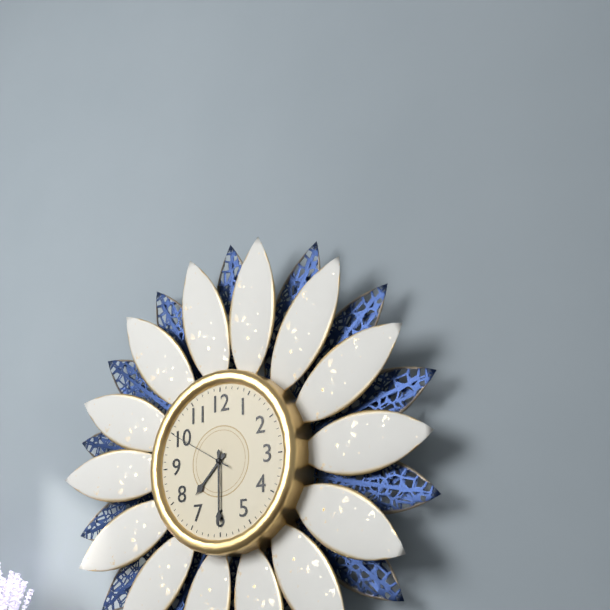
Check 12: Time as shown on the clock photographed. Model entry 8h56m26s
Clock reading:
7h30m50s
